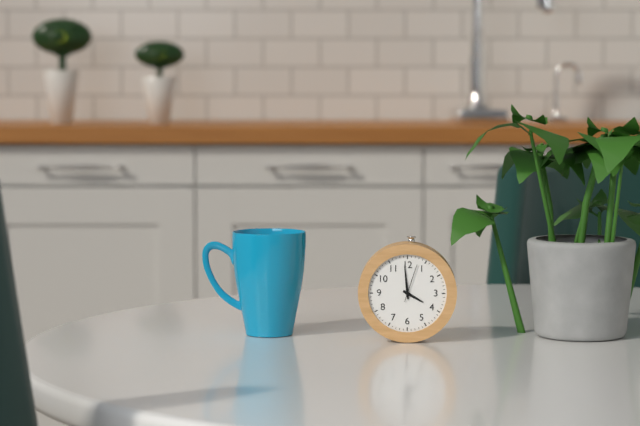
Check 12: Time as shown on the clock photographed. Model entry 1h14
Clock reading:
3h59
